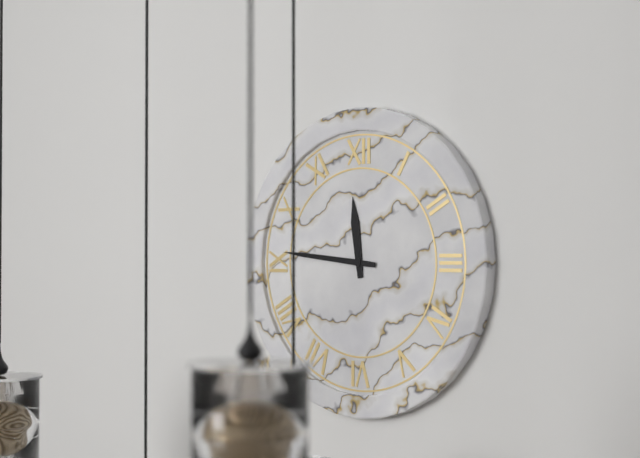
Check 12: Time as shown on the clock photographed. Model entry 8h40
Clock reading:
11h46
